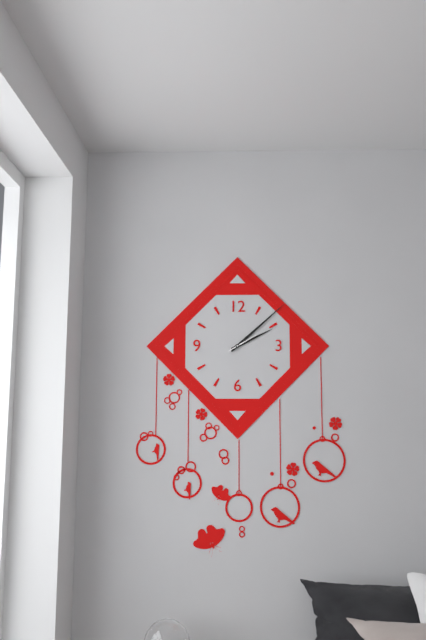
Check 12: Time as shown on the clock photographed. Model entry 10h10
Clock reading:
2h08
